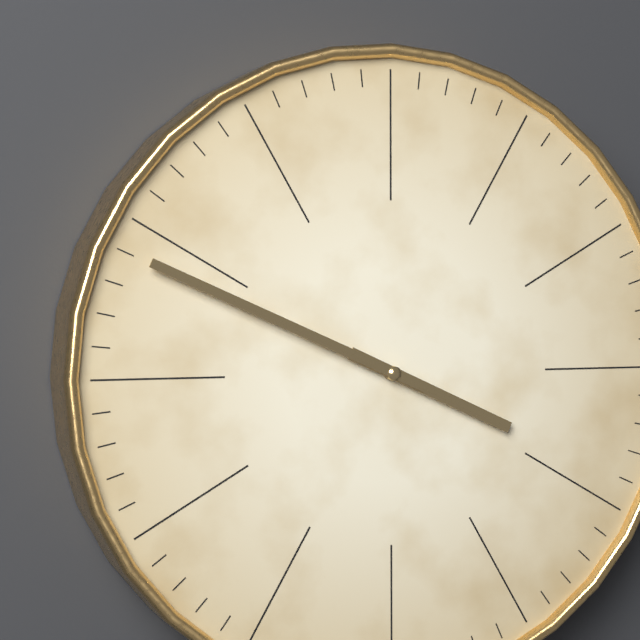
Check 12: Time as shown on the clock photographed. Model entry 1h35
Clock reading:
3h49
